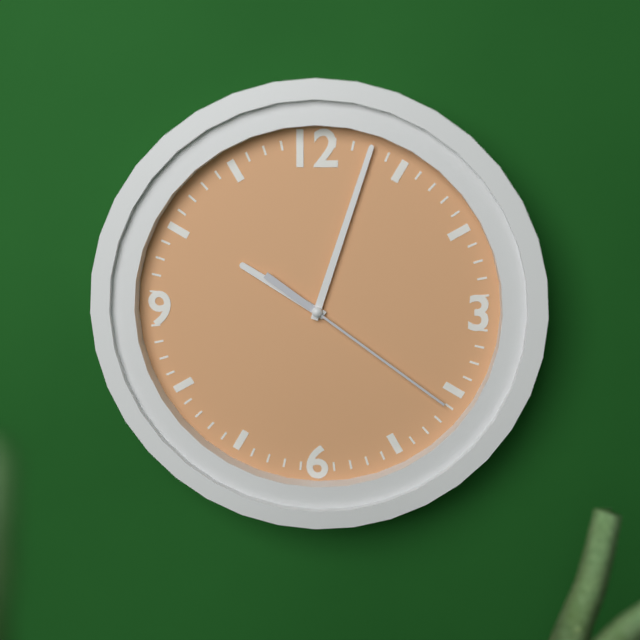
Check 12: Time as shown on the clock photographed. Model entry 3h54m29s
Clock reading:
10h03m21s
